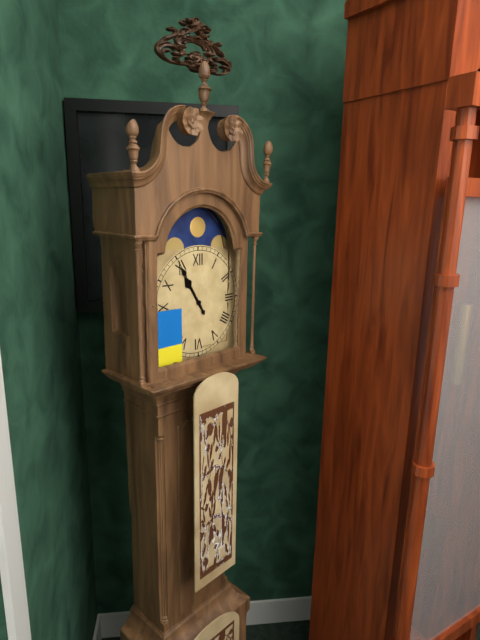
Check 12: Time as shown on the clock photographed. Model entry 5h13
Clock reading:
10h55
